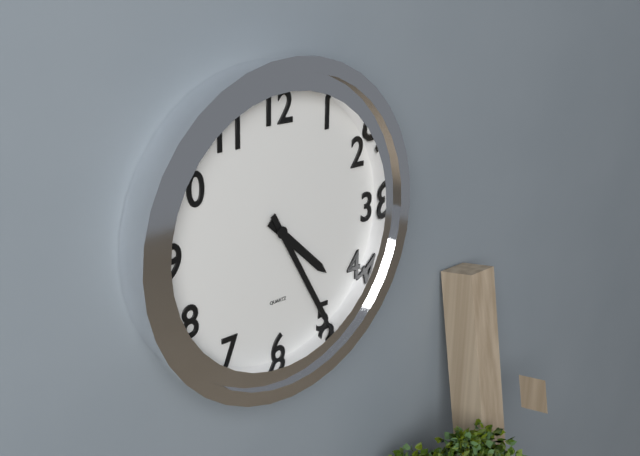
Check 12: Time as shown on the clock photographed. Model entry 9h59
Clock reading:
4h25
